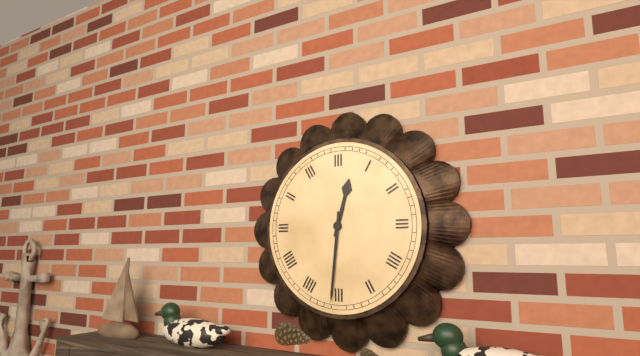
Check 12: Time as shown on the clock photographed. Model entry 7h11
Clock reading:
12h31
